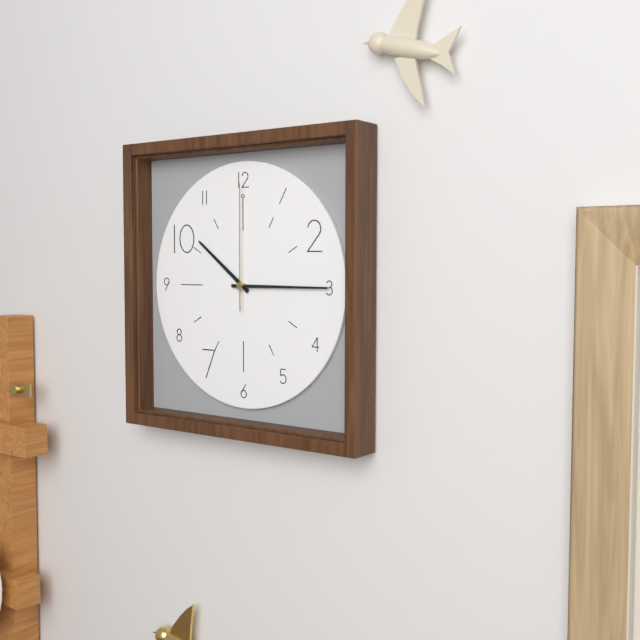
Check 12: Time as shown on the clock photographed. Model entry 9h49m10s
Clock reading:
10h15m00s
